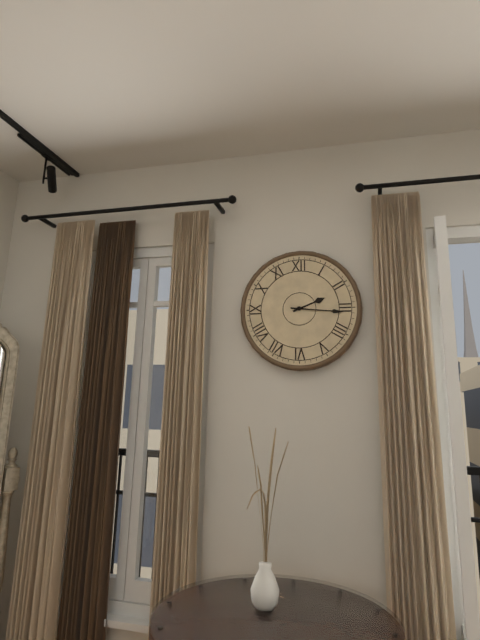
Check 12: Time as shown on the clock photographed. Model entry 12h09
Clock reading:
2h16
